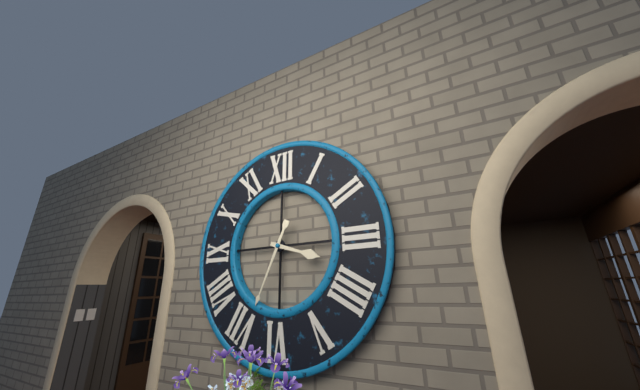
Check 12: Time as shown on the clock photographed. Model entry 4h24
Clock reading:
3h34
